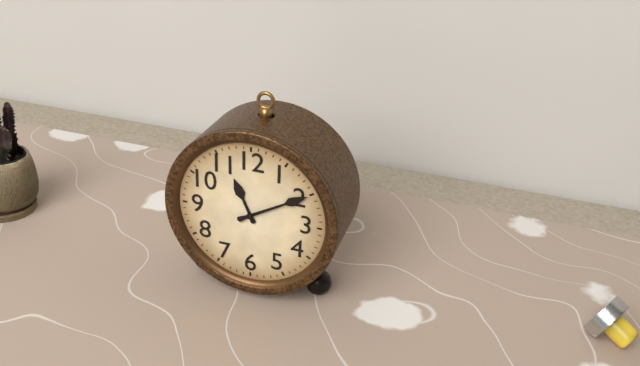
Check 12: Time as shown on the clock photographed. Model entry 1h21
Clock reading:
11h10
